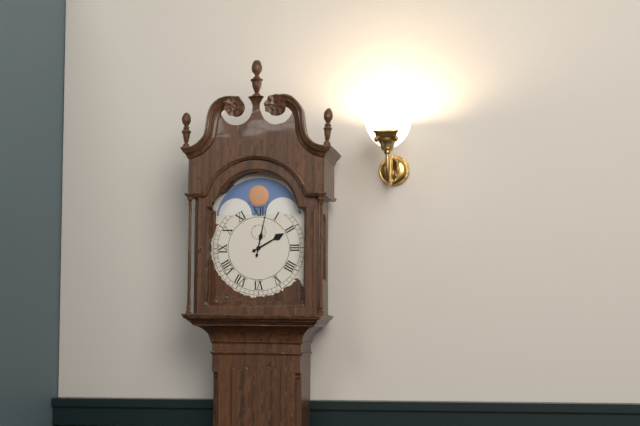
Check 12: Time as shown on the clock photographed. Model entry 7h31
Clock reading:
2h02
